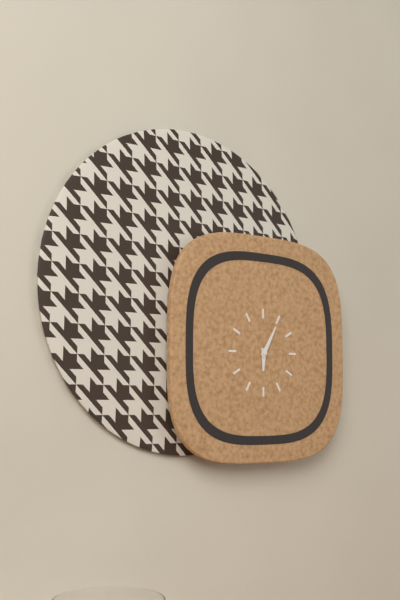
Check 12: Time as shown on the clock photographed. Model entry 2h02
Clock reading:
6h05
